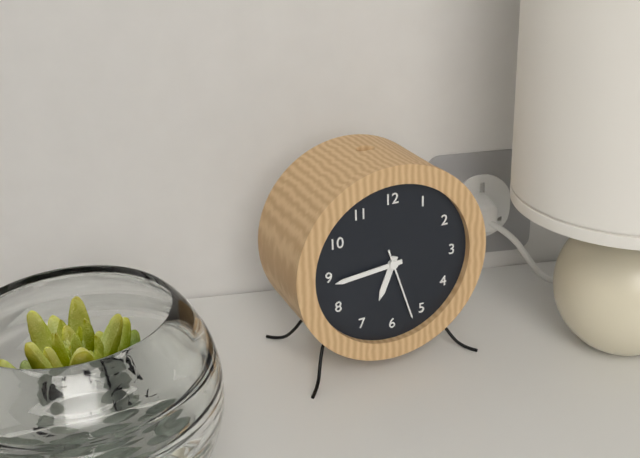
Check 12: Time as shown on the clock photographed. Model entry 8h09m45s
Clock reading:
6h44m27s
